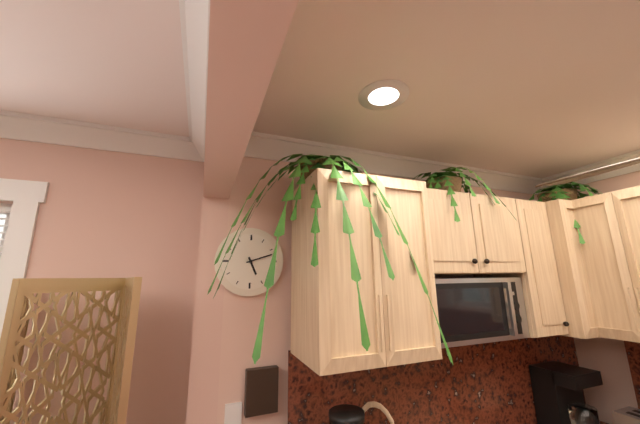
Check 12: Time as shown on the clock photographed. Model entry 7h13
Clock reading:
5h12
